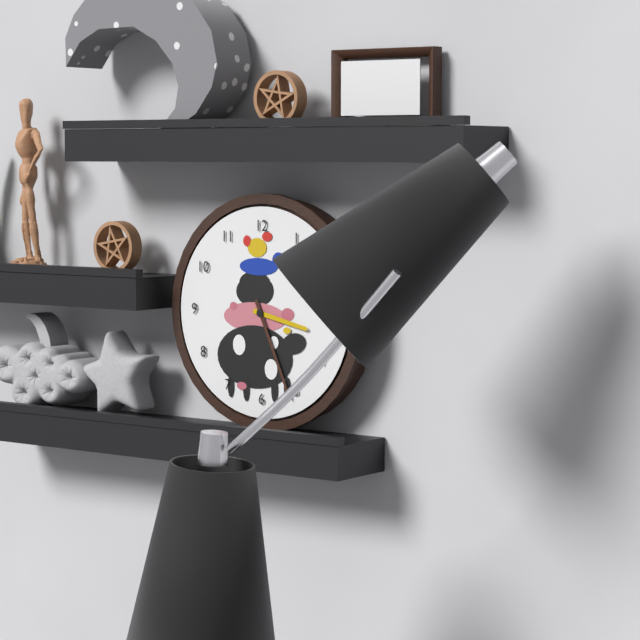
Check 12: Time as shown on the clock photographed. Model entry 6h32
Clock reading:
3h26
